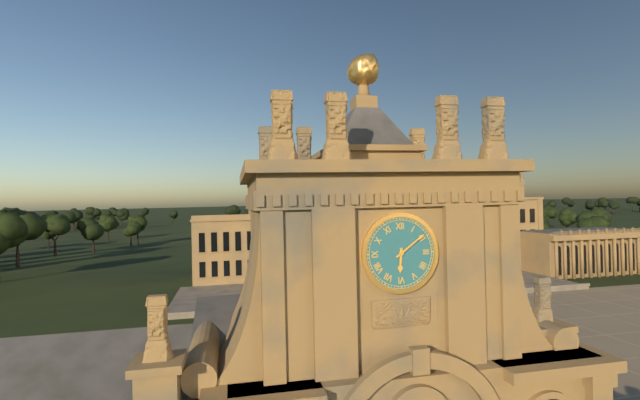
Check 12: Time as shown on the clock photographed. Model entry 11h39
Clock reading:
6h09
